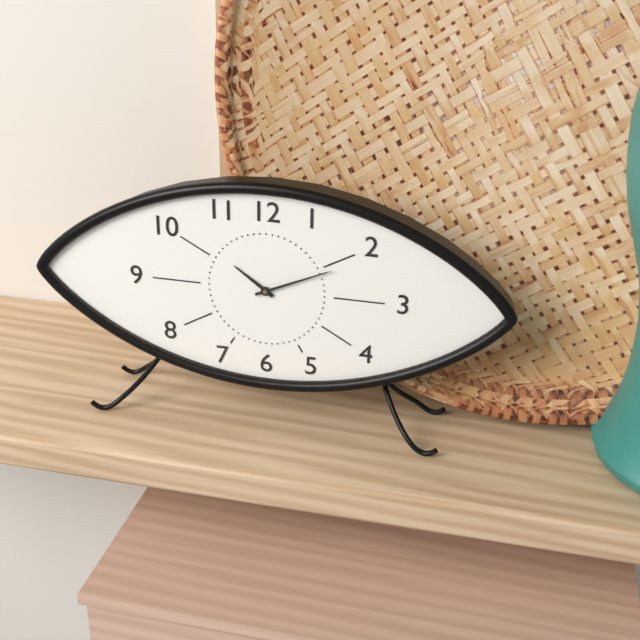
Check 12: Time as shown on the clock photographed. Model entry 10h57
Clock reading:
10h11
